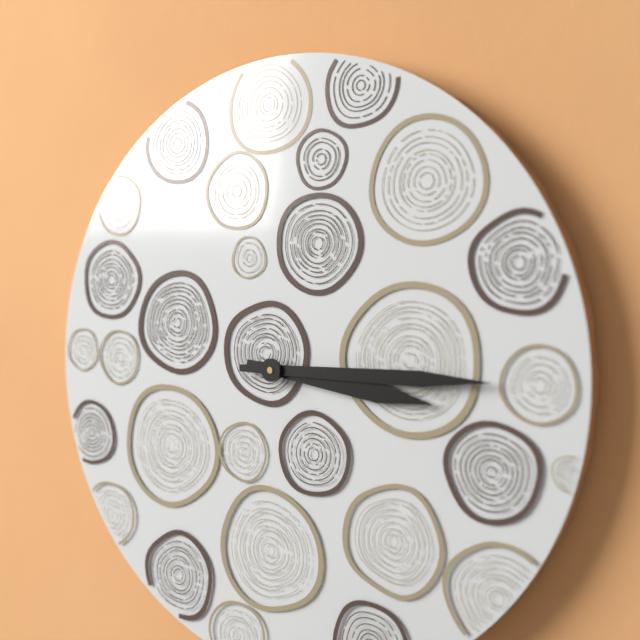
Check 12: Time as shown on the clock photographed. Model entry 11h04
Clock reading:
3h15
